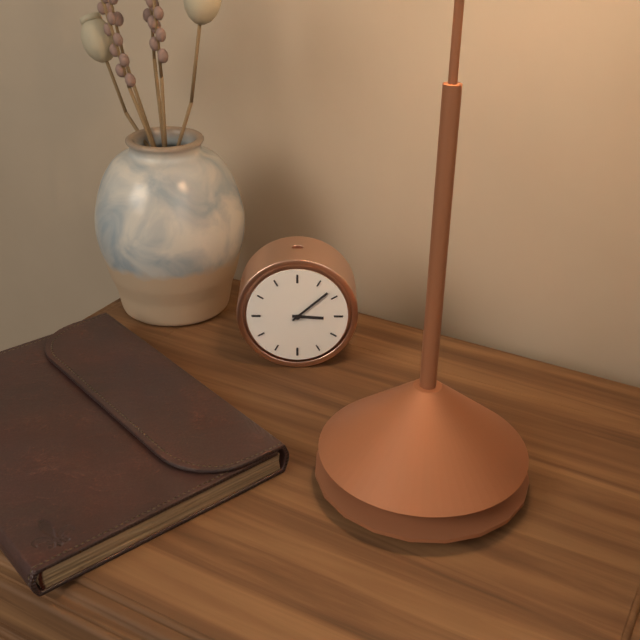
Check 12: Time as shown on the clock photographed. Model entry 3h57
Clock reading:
3h08
